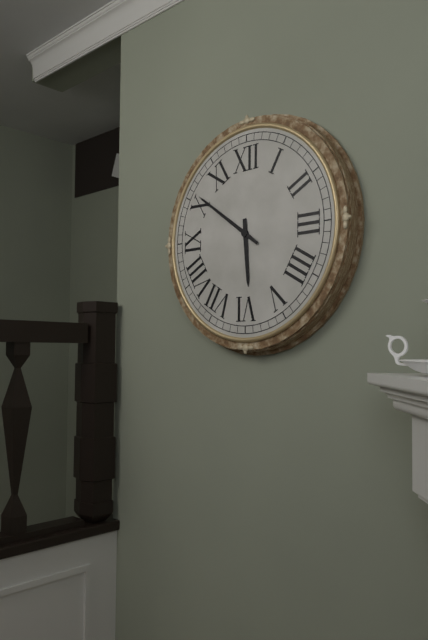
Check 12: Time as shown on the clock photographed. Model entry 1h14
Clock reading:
5h51
